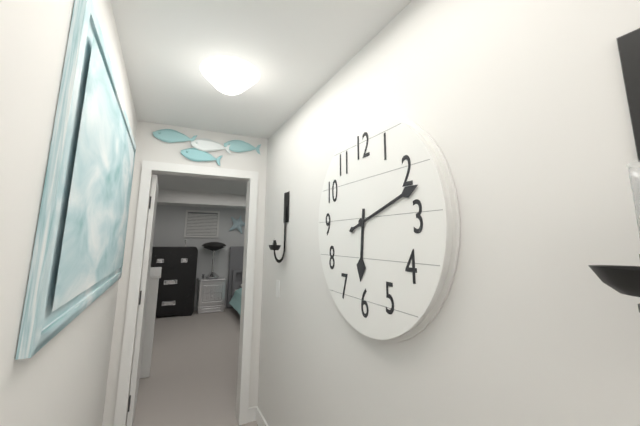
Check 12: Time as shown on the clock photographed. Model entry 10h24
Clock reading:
6h12
